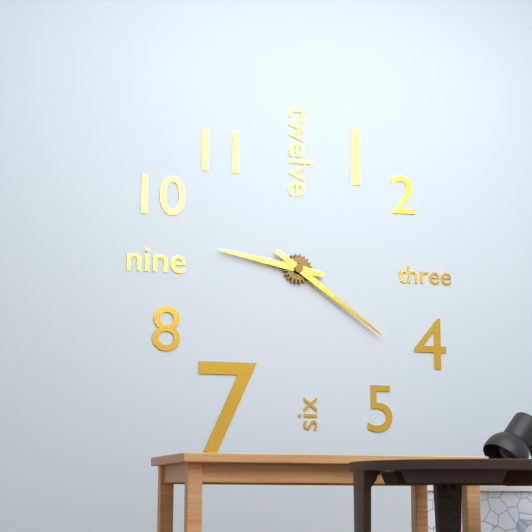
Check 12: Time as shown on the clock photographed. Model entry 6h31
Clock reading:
9h21
